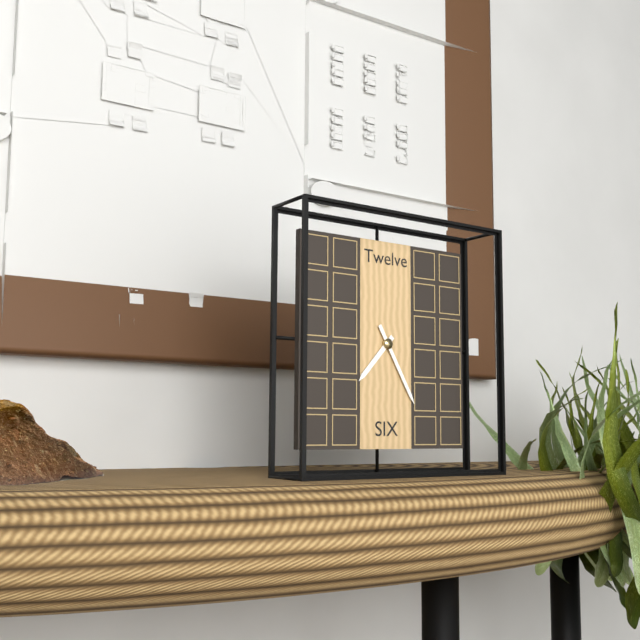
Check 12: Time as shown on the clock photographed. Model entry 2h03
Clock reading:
7h25
